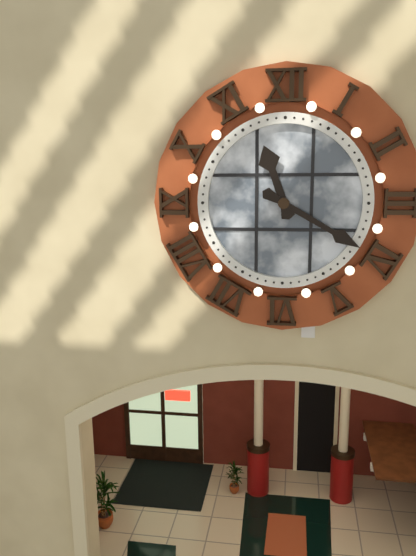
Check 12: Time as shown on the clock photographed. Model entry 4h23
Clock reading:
11h20
